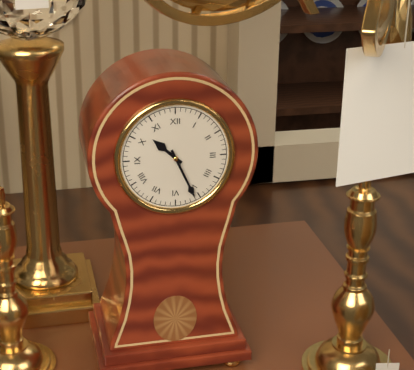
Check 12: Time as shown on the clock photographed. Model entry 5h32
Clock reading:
10h26
